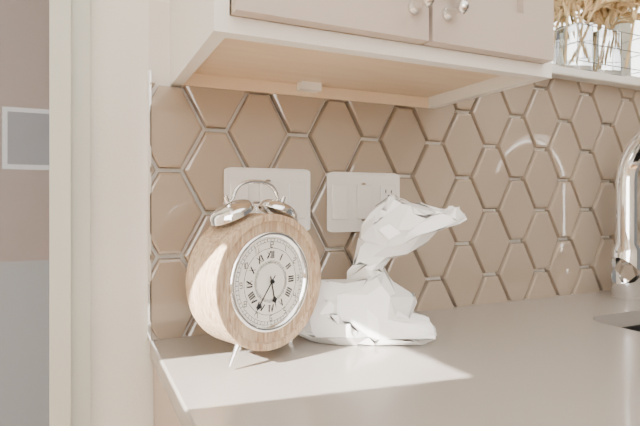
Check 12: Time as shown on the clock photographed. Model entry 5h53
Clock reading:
5h36
